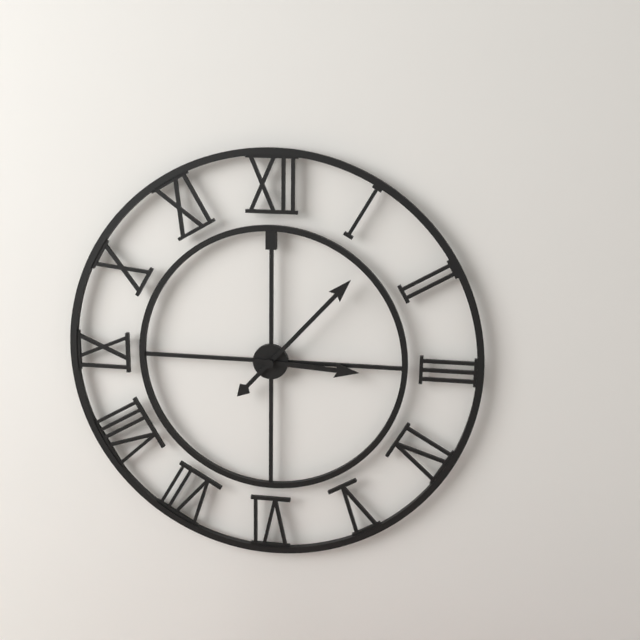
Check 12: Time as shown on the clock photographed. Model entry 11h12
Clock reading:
3h07
